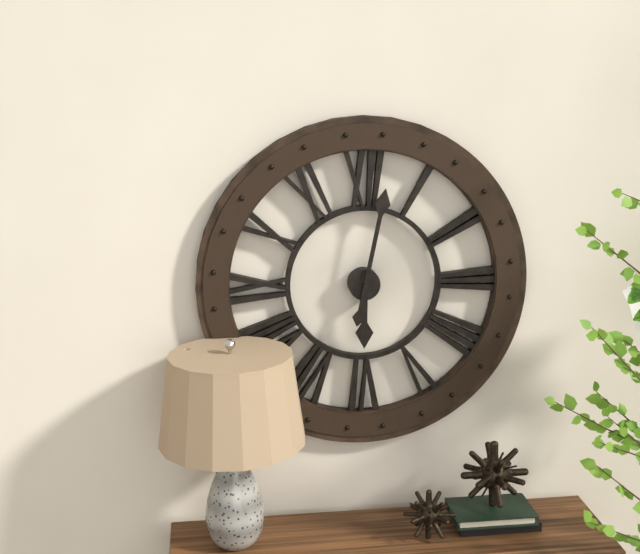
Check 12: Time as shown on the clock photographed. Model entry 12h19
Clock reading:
6h02
